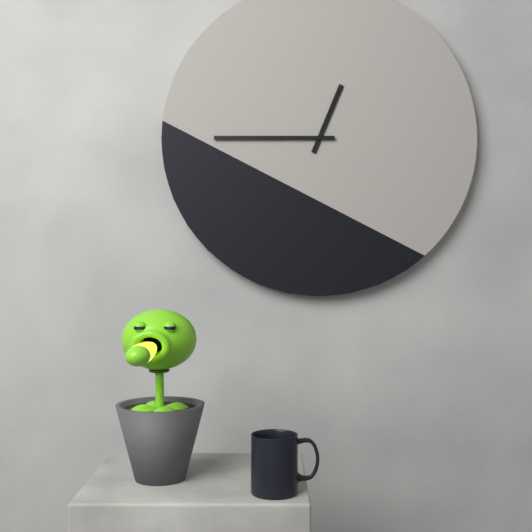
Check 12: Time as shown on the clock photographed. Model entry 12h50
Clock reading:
12h45
